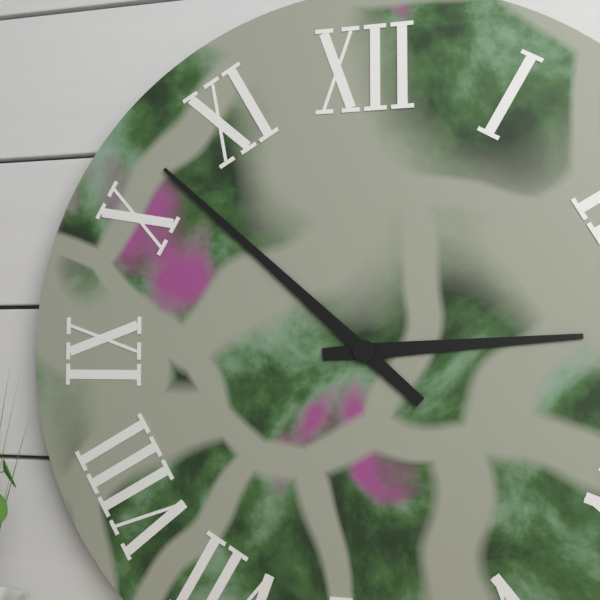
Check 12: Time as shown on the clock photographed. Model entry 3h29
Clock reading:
2h52
